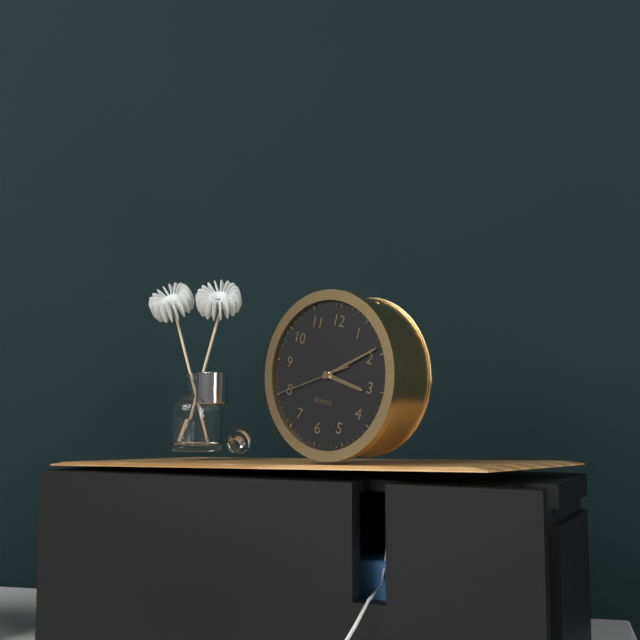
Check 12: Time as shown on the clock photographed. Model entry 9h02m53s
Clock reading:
3h09m40s
